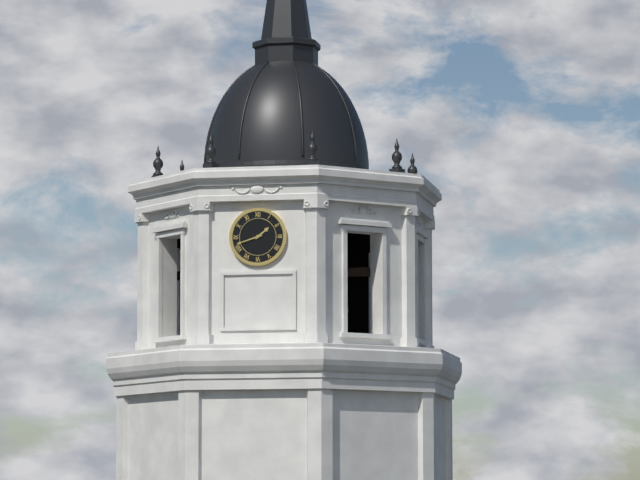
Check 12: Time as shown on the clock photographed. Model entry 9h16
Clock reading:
1h42
